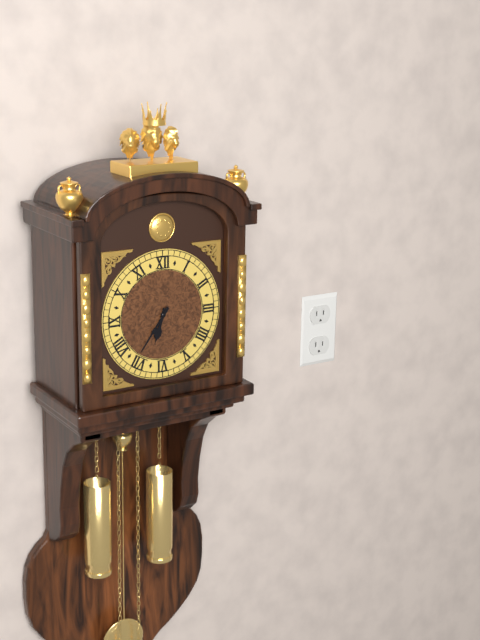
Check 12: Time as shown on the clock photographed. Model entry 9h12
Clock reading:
6h36
